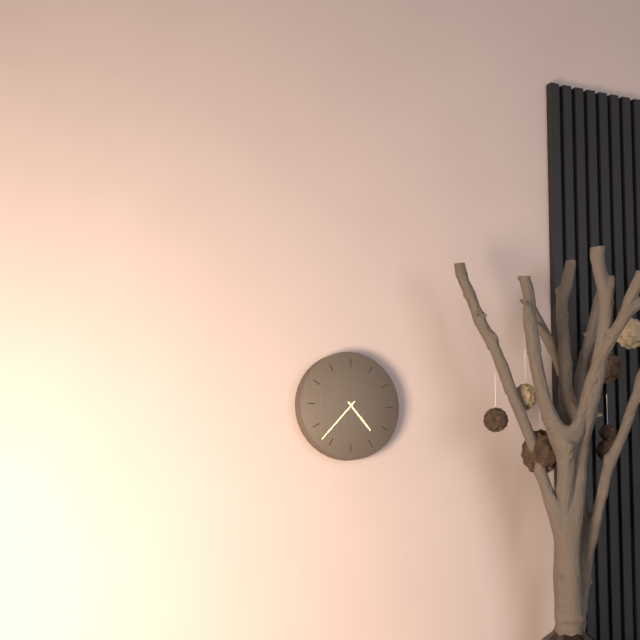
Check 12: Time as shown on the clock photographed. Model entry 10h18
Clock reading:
4h37
